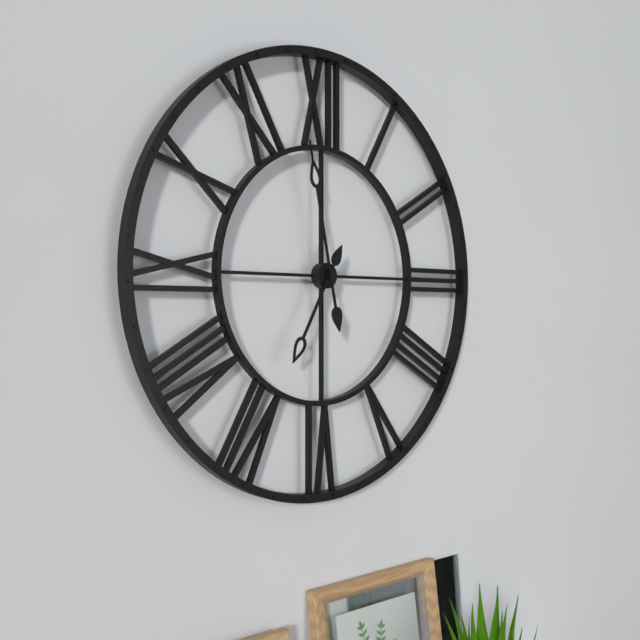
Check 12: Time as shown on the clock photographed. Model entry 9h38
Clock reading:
6h58
